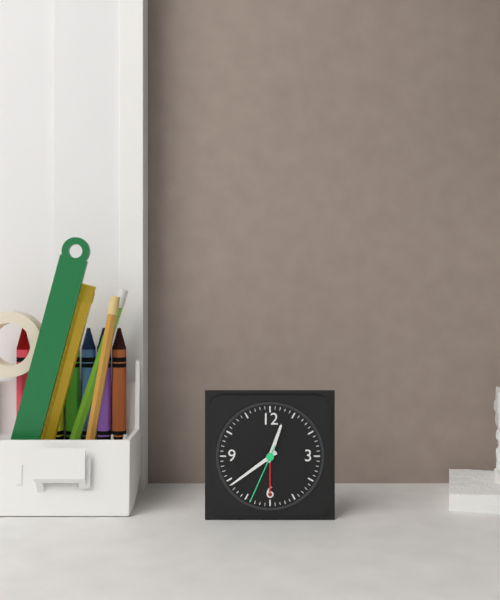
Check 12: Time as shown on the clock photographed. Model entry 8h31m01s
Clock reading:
12h39m34s
